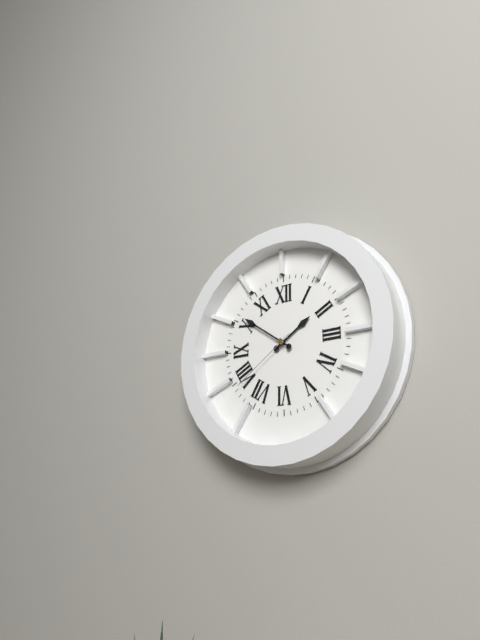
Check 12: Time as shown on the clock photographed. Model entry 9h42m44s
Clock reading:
1h51m39s
